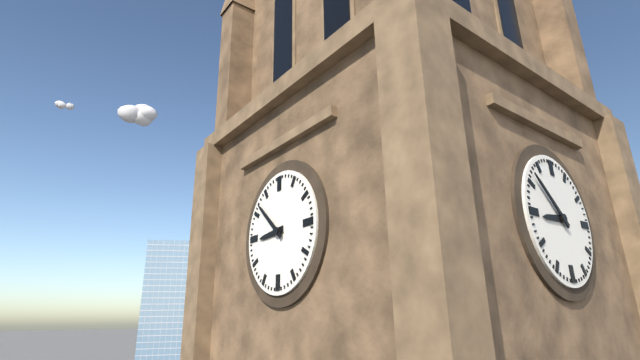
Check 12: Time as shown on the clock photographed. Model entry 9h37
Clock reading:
8h52
